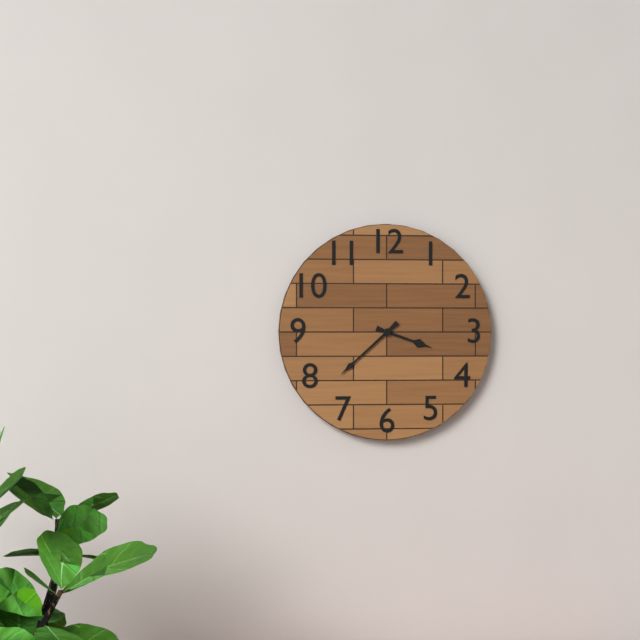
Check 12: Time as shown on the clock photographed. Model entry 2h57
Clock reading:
3h38
